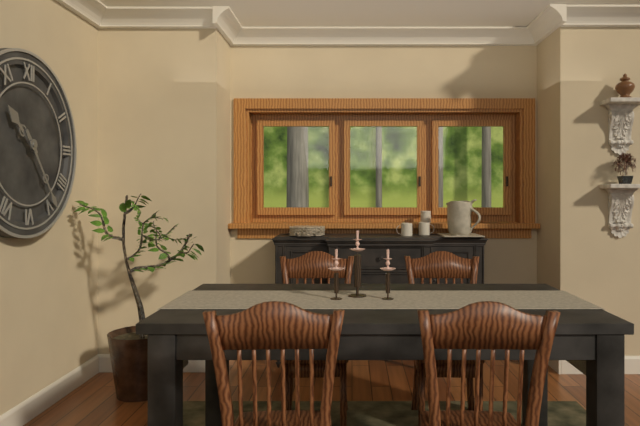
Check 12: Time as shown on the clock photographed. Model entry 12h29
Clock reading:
10h24
